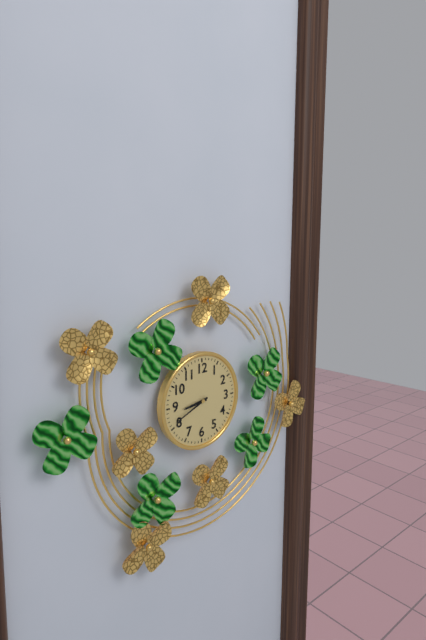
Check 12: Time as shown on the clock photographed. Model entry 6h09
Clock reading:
8h41
